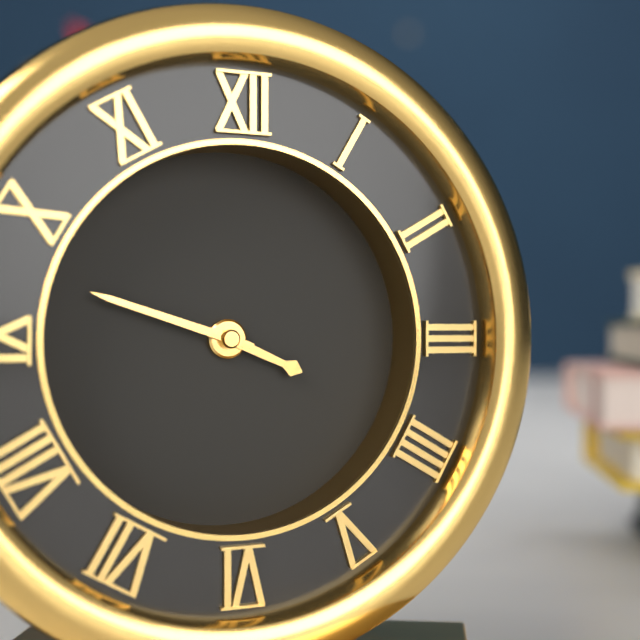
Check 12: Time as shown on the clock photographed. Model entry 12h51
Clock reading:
3h48
